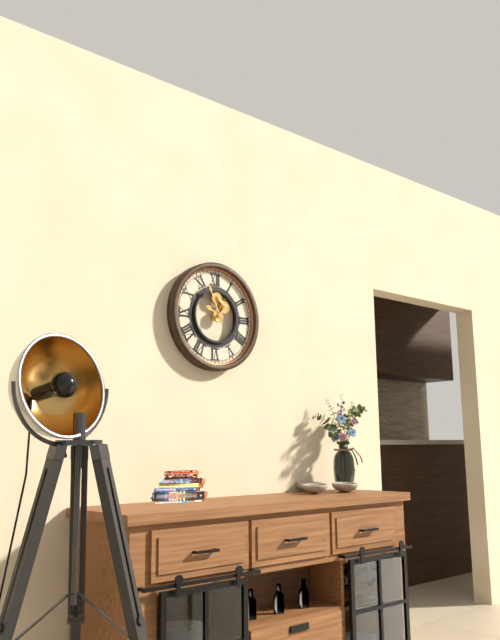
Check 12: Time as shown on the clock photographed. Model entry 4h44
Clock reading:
9h56
